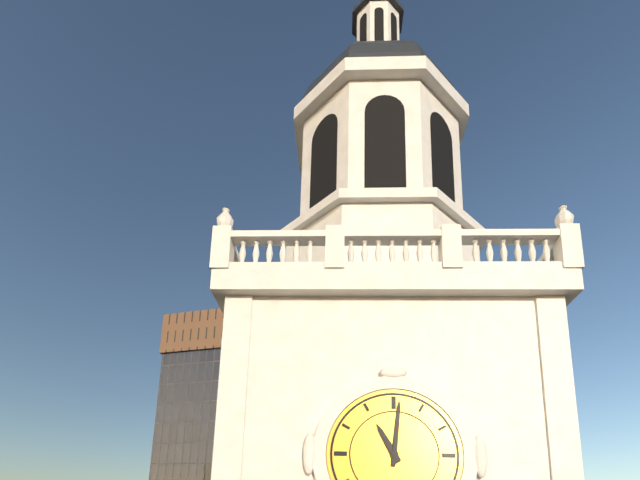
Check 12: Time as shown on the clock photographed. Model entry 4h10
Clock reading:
11h01
